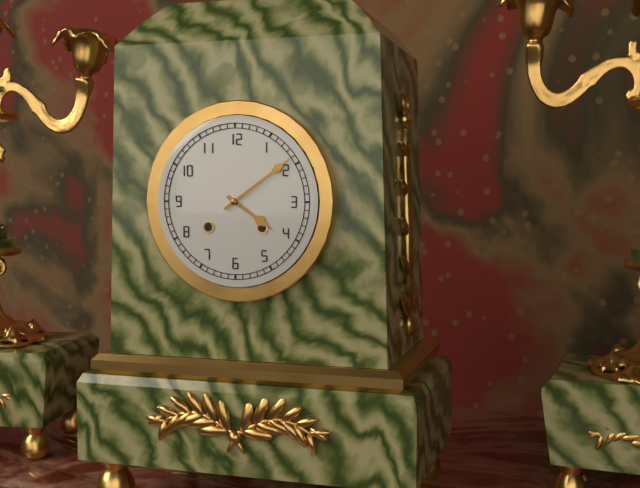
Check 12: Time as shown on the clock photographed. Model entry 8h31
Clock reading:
4h09
